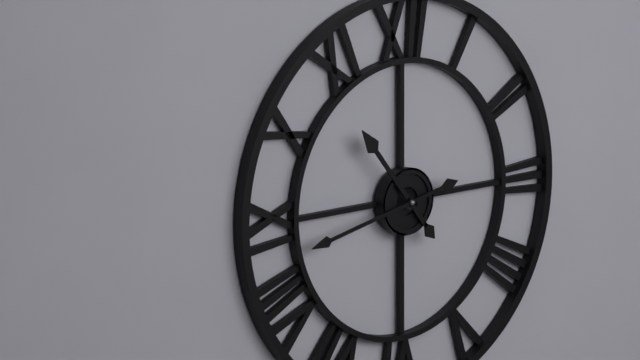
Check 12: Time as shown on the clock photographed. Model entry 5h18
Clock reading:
10h43
